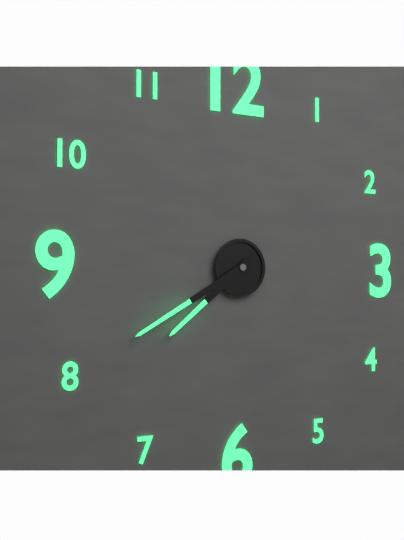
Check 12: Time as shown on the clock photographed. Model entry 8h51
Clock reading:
7h40
